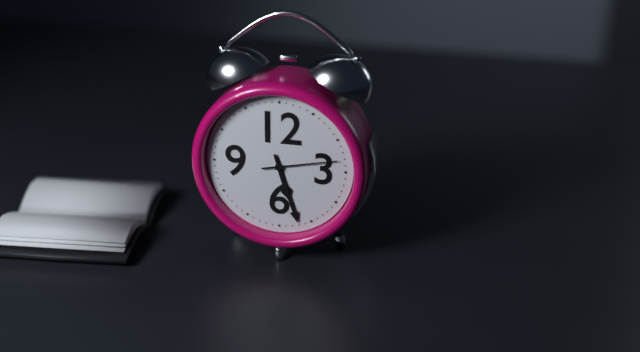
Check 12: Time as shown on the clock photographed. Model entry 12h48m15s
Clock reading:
5h27m13s
